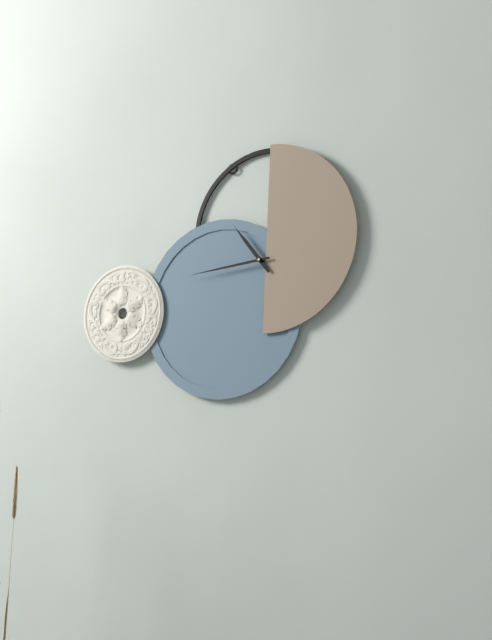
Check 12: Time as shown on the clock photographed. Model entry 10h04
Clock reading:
10h44
